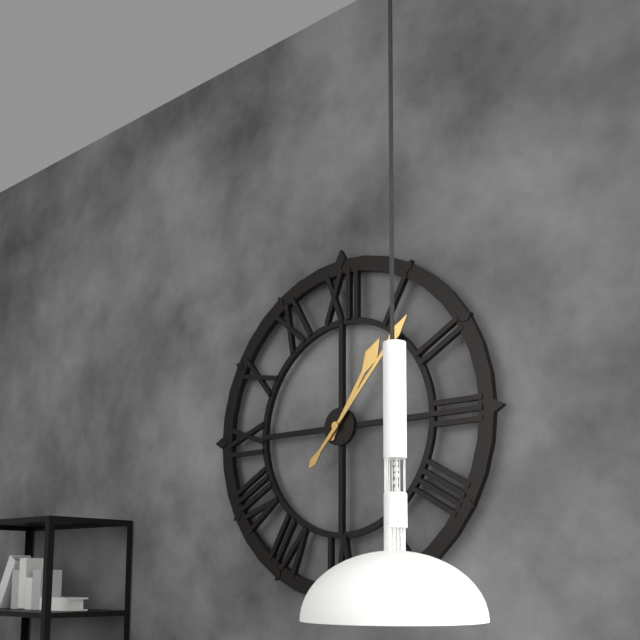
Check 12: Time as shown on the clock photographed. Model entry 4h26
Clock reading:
1h07
